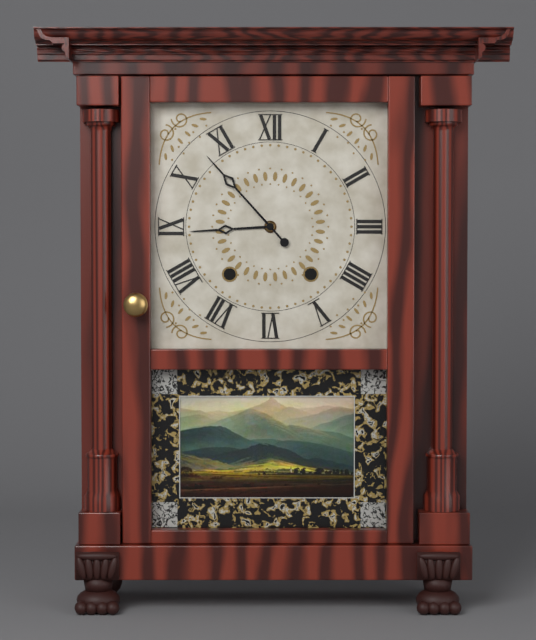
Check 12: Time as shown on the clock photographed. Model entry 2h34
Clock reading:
8h53
